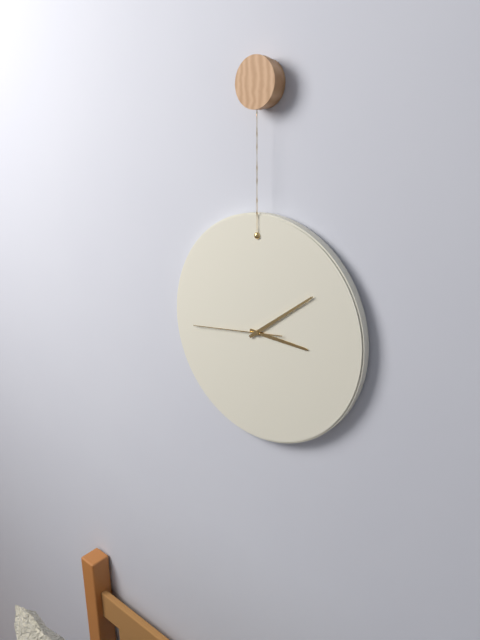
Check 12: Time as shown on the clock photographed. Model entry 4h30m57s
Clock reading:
3h09m44s
